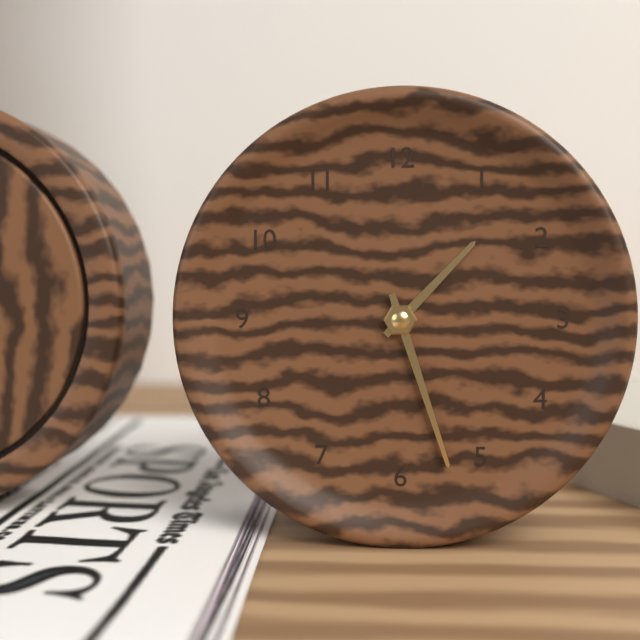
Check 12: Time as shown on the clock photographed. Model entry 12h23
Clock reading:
1h27
